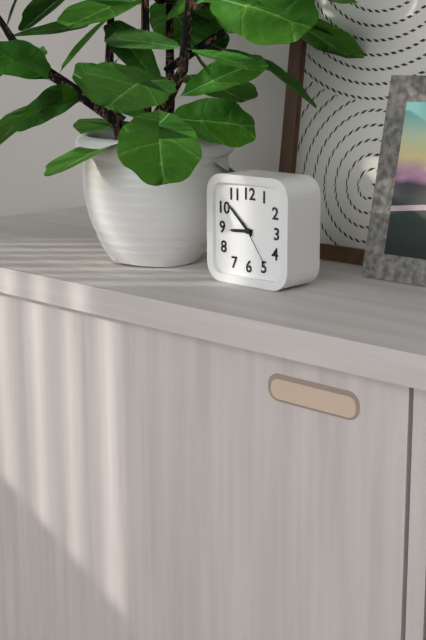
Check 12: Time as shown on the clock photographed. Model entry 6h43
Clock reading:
8h52
